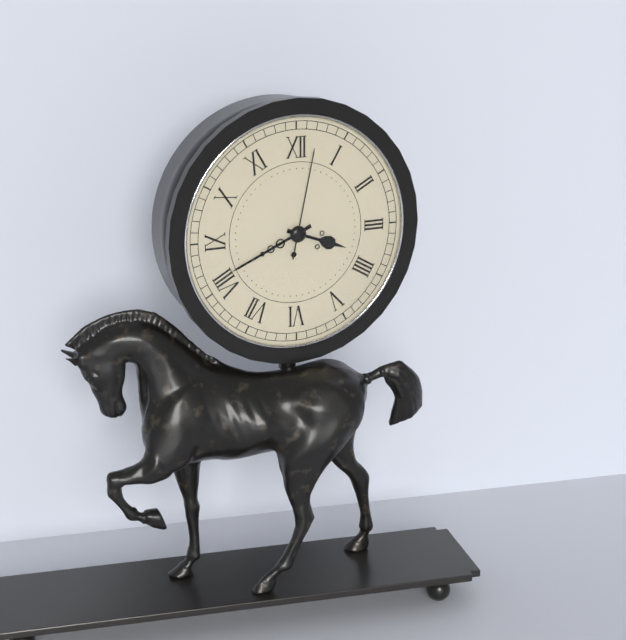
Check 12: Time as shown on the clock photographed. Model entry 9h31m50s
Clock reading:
3h41m02s
